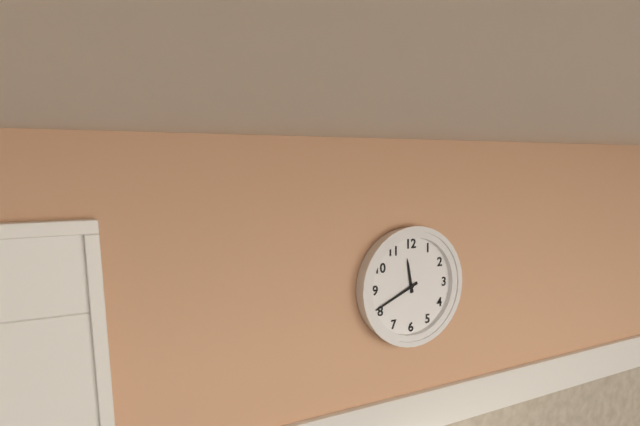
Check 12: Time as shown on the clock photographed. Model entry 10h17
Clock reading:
11h41
